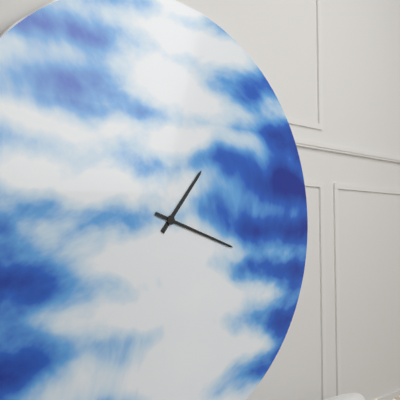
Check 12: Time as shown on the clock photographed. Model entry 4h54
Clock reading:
1h18
